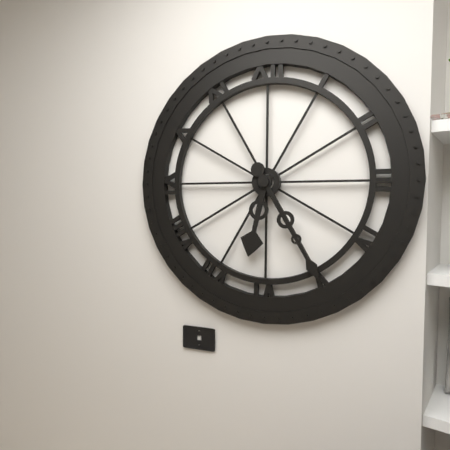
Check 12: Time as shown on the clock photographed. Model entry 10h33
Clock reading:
6h25
